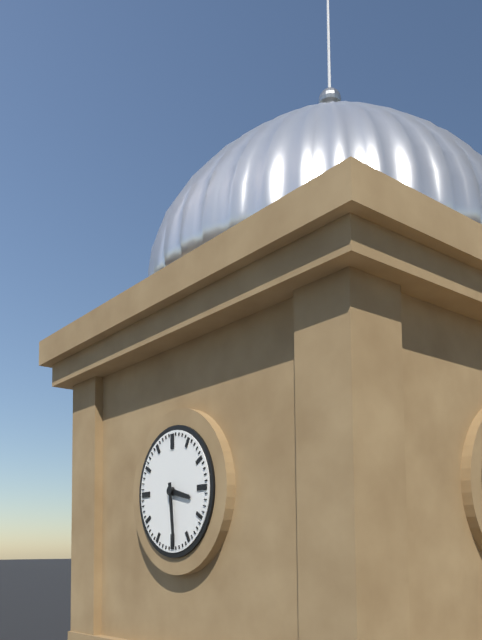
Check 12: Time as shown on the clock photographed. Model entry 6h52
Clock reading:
3h29
